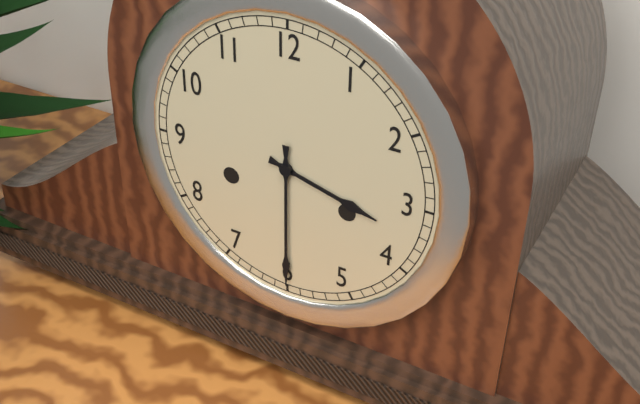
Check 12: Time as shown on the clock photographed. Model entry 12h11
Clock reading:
3h30
